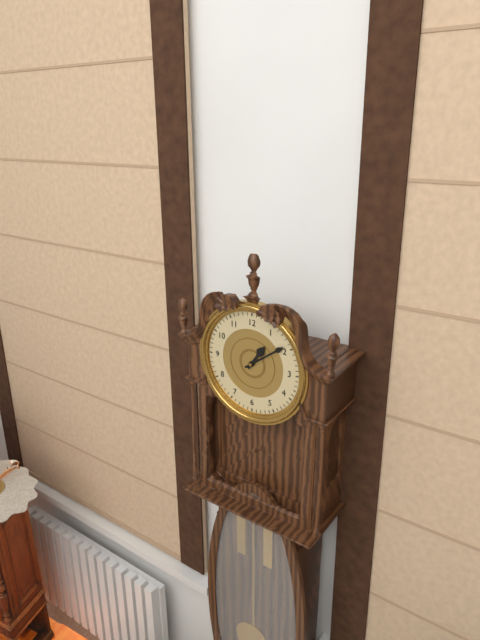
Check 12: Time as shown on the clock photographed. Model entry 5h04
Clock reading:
1h09
